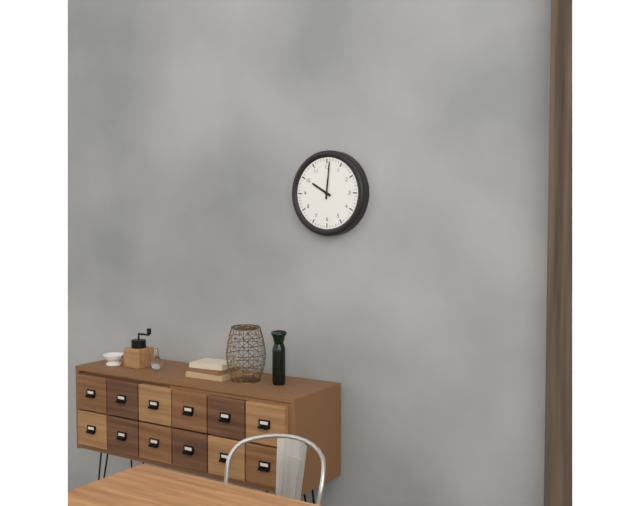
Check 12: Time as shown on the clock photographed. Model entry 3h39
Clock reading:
10h01
